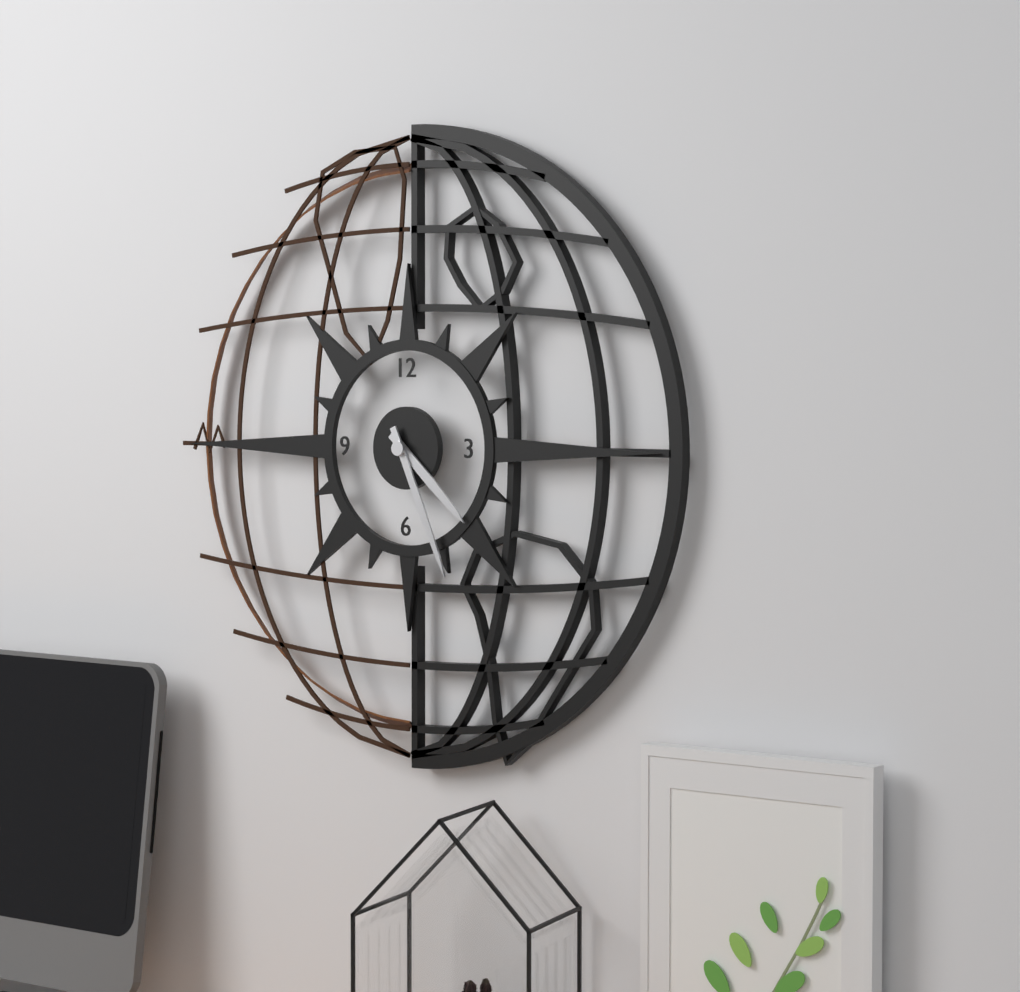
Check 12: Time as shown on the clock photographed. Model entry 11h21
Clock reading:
4h26
